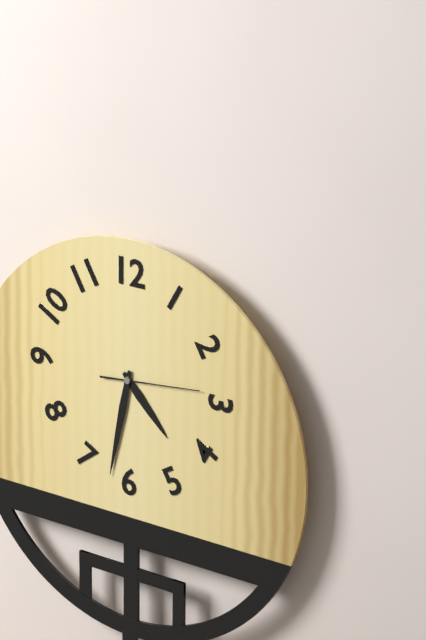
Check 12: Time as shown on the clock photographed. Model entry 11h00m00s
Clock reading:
4h32m14s
